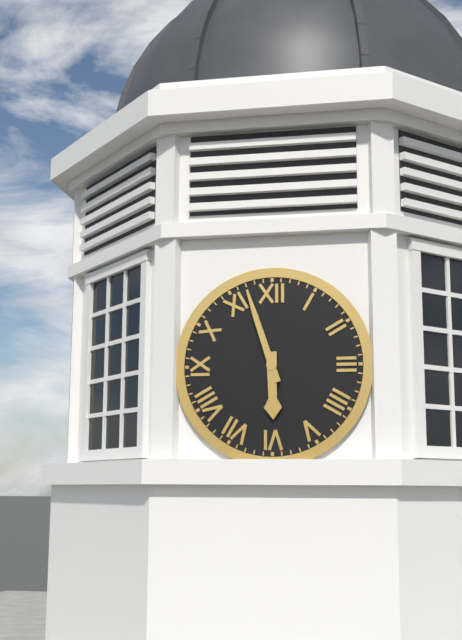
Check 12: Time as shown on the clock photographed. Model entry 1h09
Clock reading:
5h57
